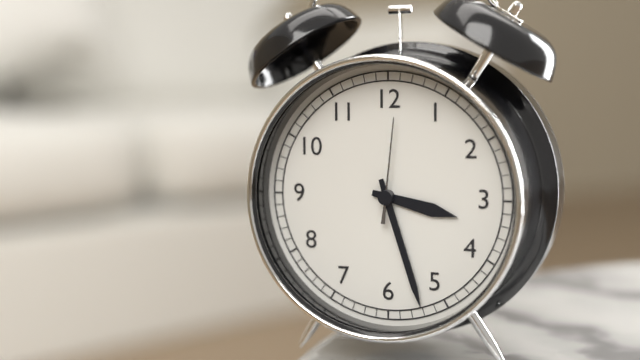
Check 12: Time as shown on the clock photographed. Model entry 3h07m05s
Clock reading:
3h27m01s
